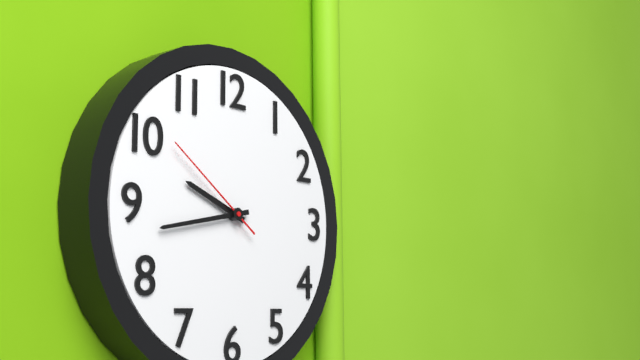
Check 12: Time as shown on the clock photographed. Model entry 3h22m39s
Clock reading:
9h43m51s
